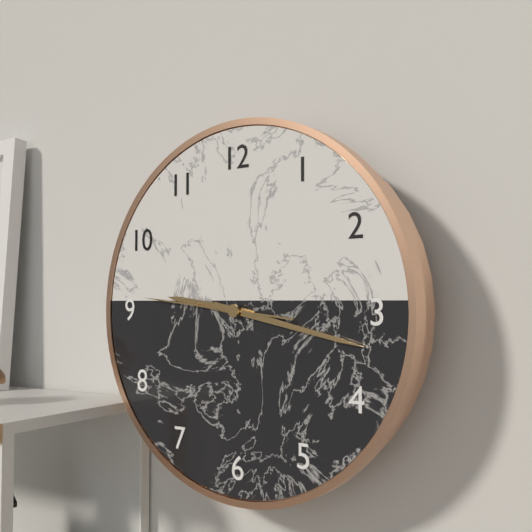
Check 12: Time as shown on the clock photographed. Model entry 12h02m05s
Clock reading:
9h17m46s
